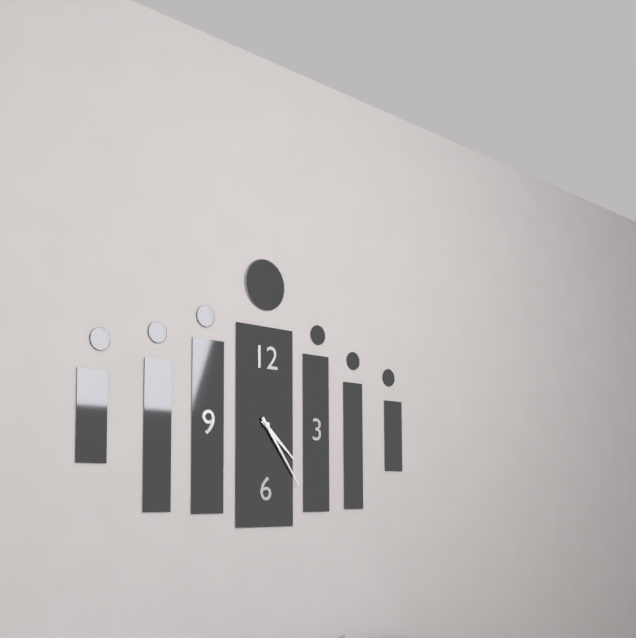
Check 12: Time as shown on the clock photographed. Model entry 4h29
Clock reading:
4h24
